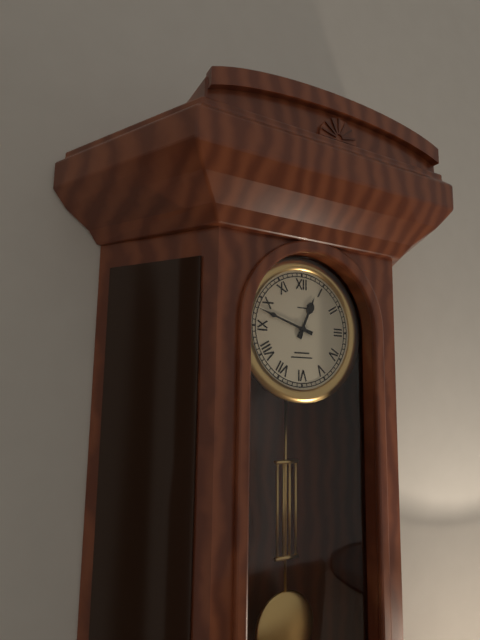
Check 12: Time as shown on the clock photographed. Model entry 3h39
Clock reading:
12h48
